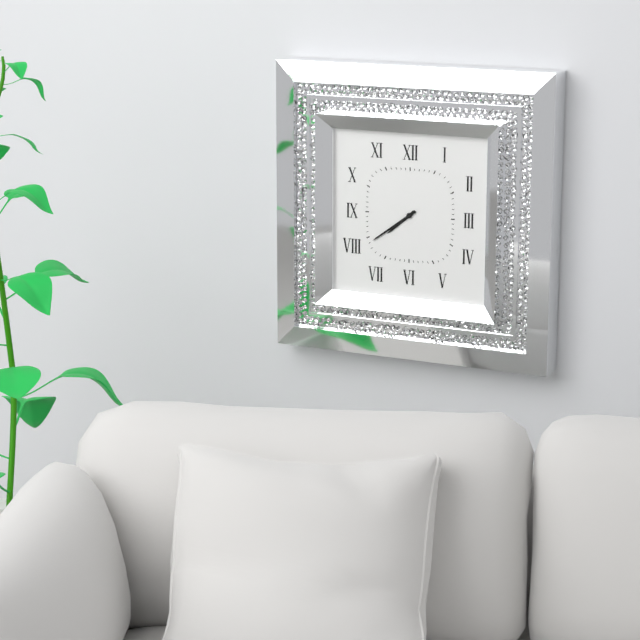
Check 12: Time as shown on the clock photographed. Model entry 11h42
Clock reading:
7h39
